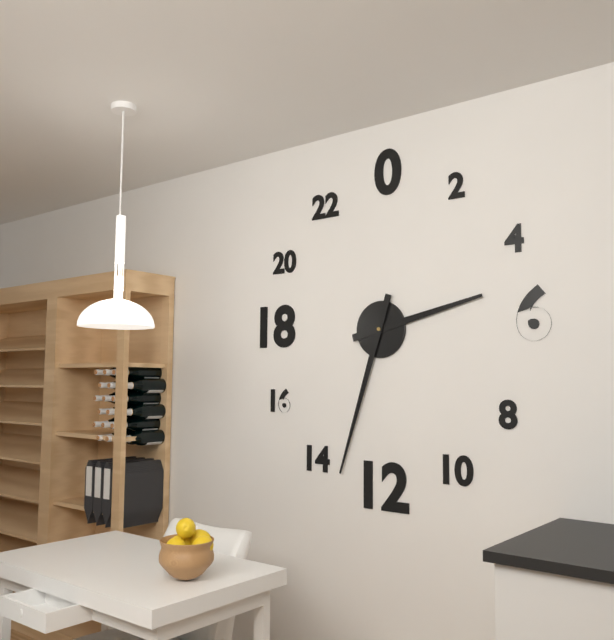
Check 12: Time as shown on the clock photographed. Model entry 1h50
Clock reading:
2h33
